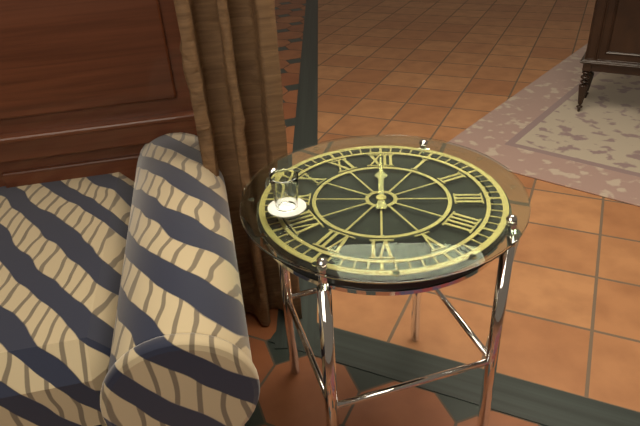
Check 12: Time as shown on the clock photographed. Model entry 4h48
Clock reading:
12h00
